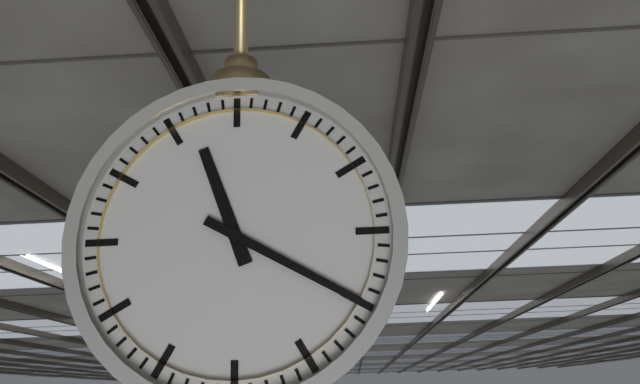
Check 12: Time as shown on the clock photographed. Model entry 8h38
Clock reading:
11h20
